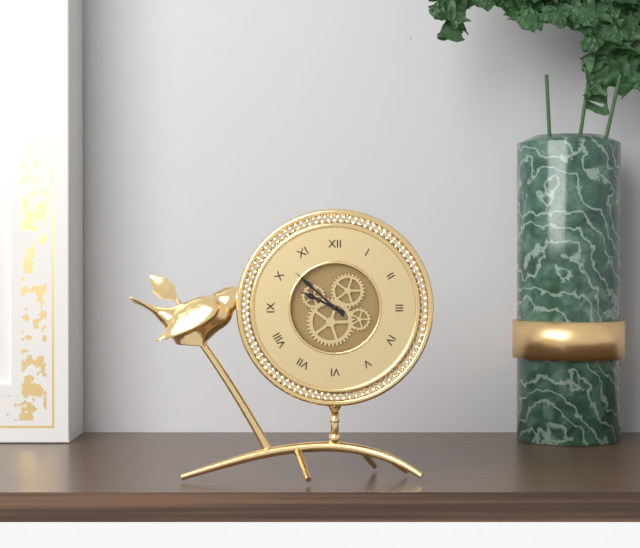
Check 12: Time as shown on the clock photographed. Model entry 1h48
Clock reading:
9h52
